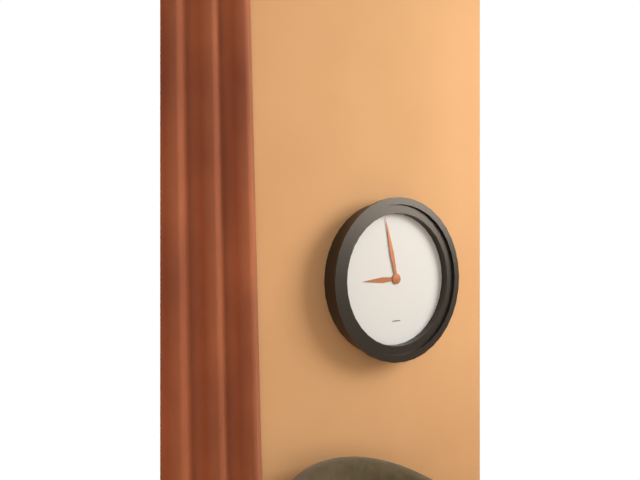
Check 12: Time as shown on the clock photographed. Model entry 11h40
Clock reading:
8h58
